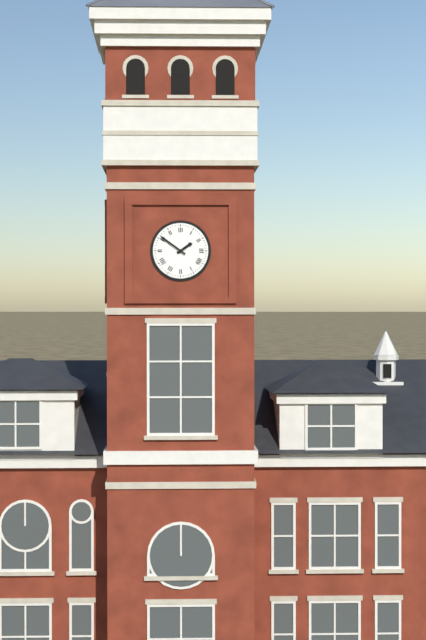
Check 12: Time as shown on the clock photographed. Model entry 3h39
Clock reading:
1h51
